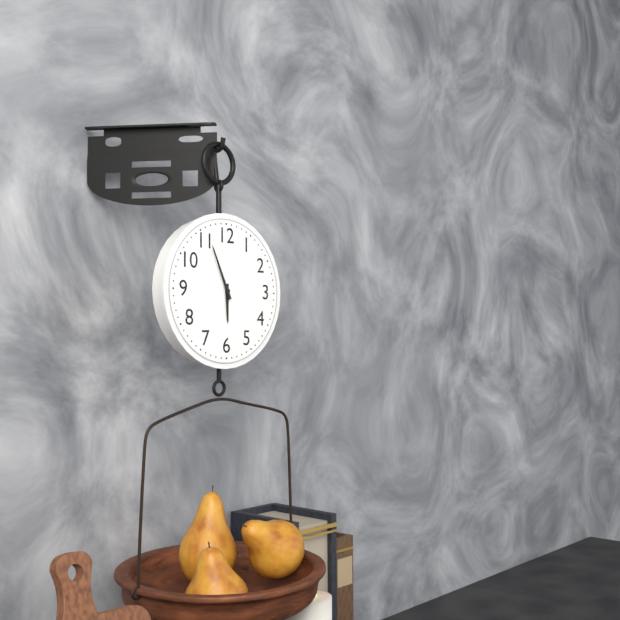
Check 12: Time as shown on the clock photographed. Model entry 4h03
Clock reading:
5h56
